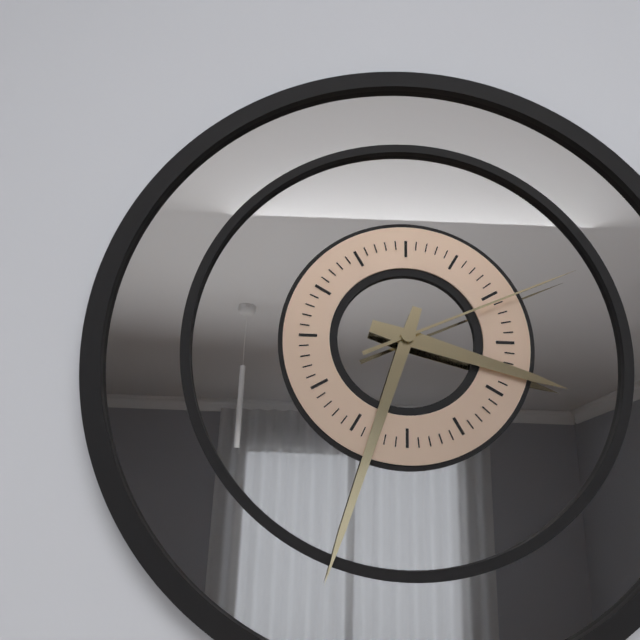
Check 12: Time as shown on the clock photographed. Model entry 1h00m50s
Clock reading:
3h33m11s
